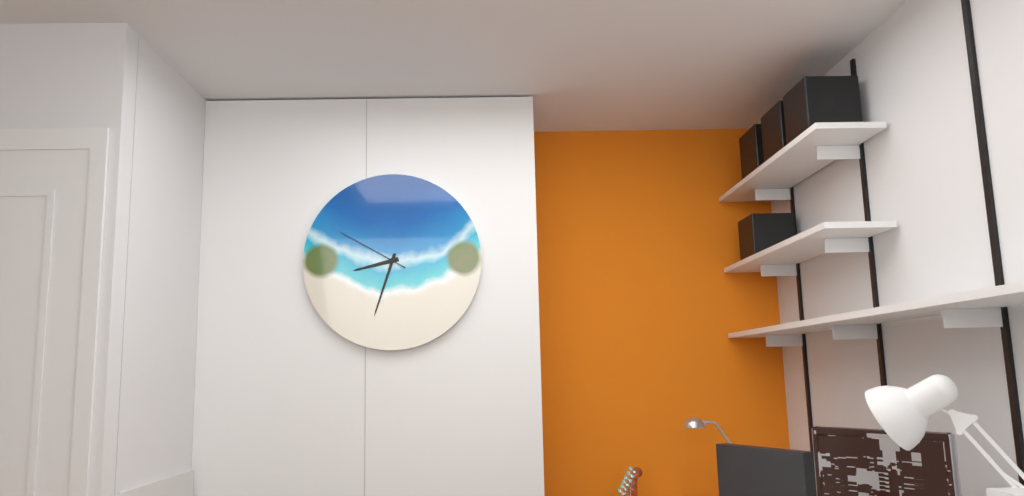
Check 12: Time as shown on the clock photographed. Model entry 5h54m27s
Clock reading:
8h33m50s
